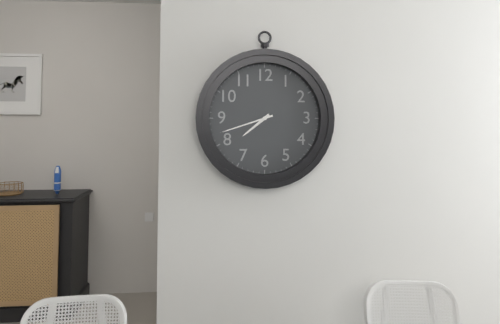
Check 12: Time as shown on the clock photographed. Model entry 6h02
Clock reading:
7h42
